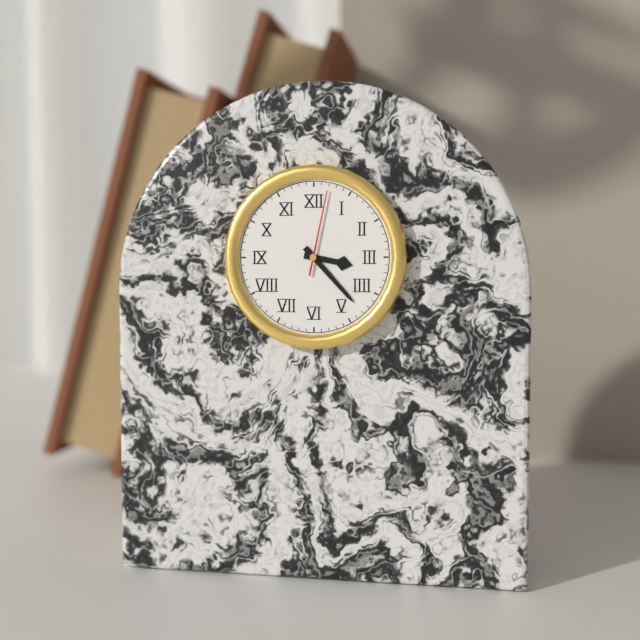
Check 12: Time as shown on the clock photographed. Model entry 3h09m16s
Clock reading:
3h23m02s
